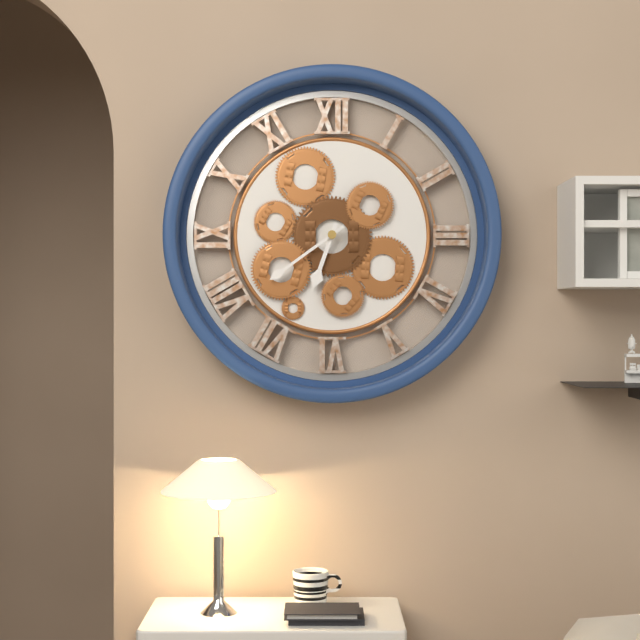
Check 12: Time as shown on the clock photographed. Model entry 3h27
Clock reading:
6h39
